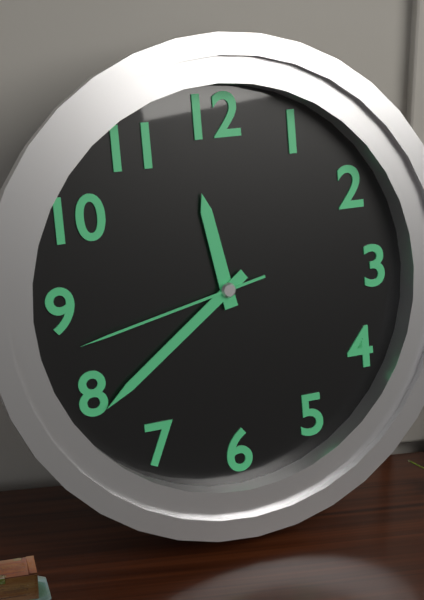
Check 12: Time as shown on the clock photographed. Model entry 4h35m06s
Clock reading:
11h39m43s
